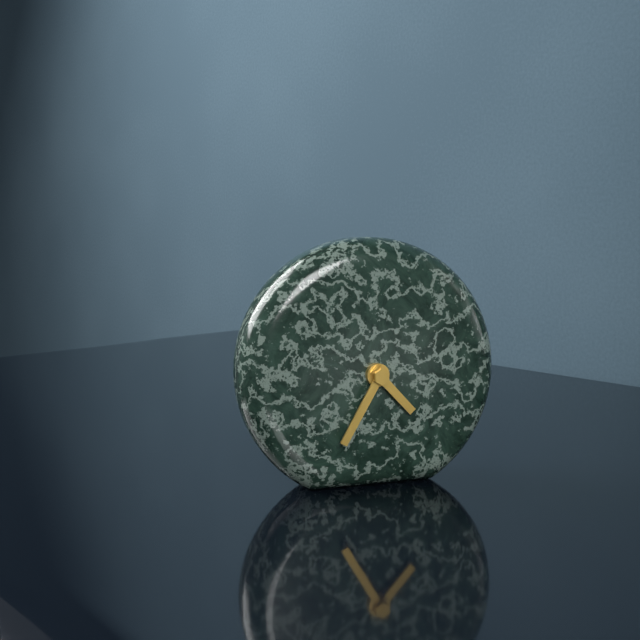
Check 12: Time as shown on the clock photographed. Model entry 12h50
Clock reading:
4h35
